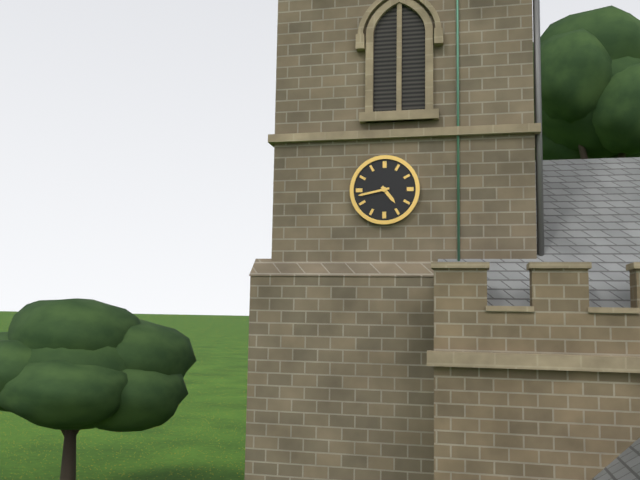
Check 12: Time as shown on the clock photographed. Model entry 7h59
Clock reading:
4h43
